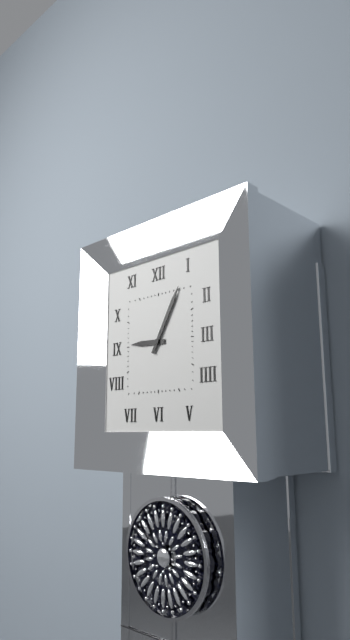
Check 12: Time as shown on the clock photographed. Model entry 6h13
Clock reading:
9h05
